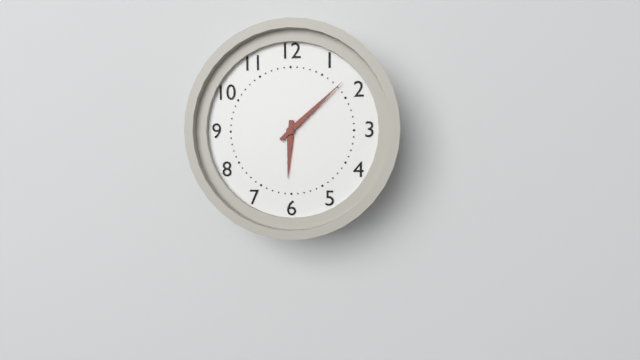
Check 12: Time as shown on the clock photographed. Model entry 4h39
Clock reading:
6h08
